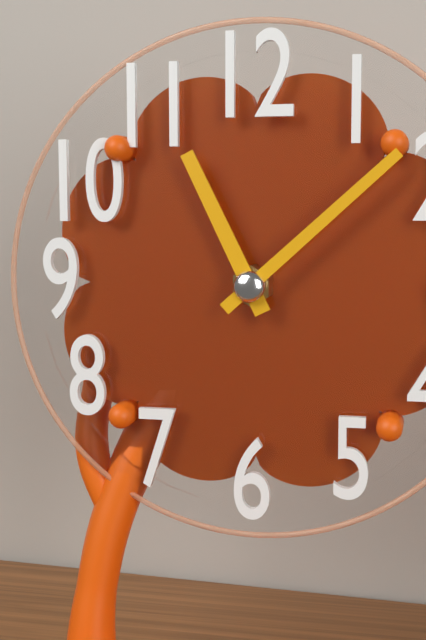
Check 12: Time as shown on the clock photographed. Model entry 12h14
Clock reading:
11h08
